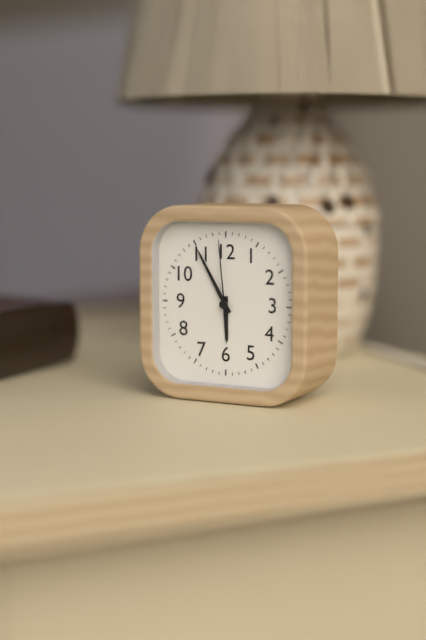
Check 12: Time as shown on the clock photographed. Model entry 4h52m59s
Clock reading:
5h55m59s
